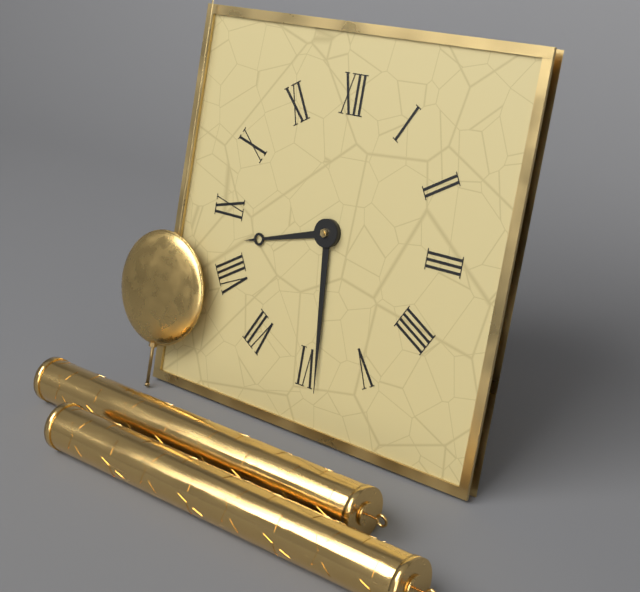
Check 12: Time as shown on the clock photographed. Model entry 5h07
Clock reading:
8h29
